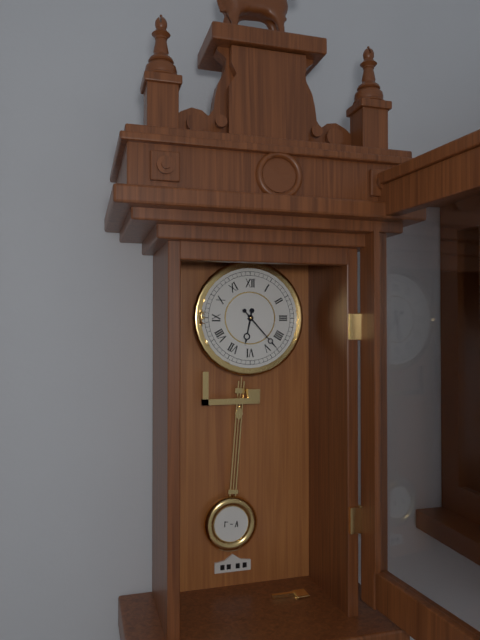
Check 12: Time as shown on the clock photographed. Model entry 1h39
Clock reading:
6h23
